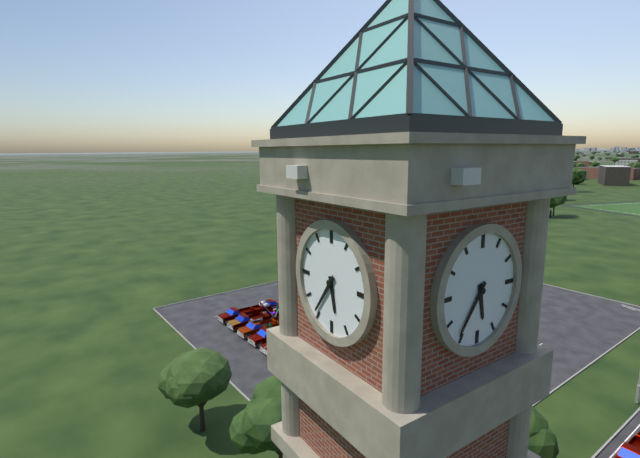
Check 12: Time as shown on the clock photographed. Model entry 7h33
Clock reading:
5h36
